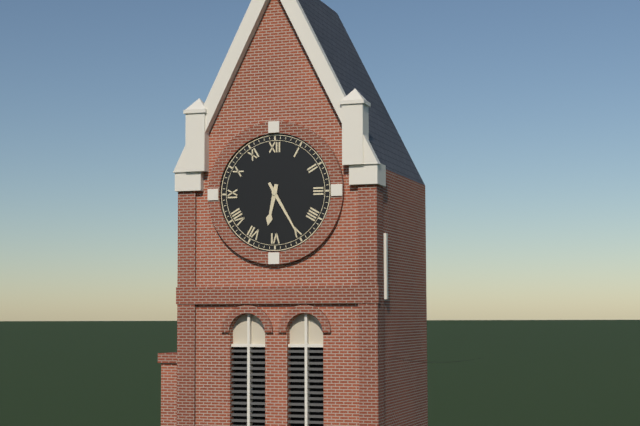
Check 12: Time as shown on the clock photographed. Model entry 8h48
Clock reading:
6h25
